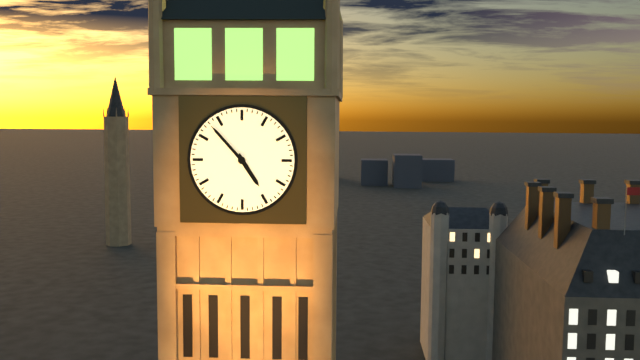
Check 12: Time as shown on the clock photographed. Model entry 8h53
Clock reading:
4h53
